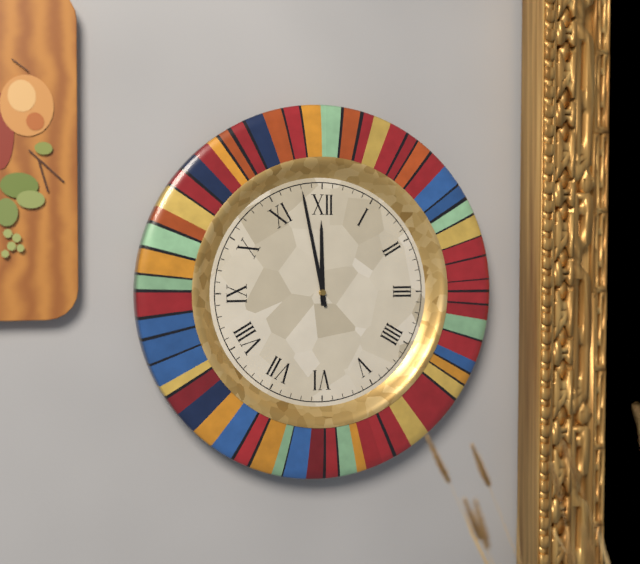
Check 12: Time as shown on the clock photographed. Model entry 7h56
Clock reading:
11h58
